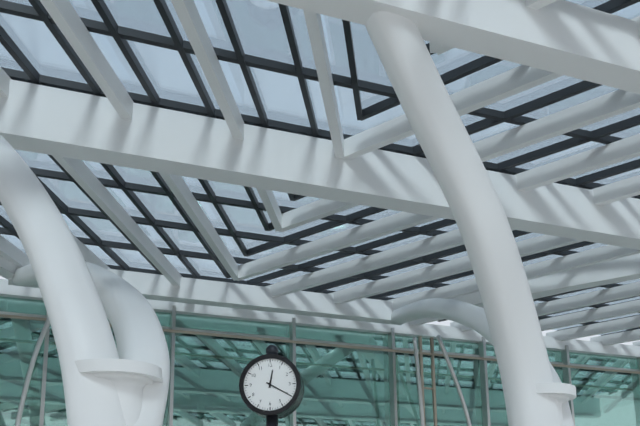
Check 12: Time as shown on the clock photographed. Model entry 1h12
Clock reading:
12h20
